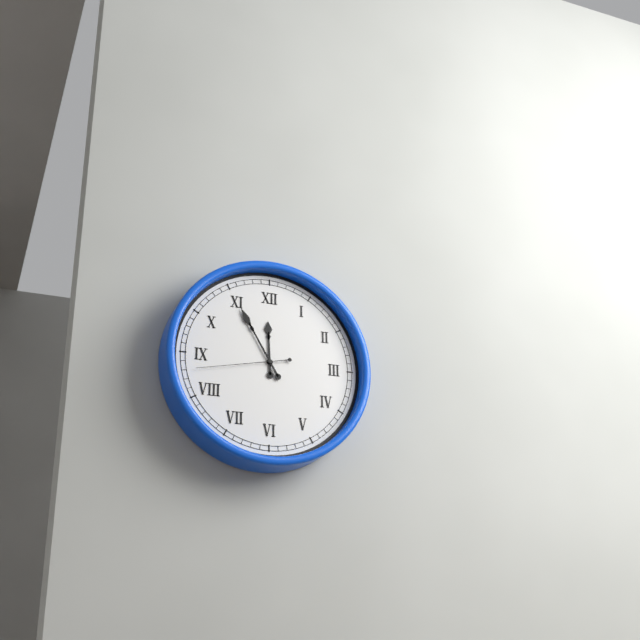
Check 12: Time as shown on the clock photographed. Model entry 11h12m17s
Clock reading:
11h55m43s
